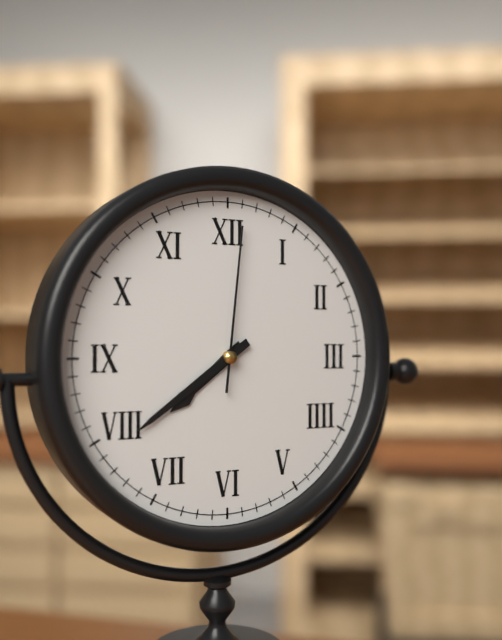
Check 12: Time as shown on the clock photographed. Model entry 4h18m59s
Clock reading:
7h39m01s
